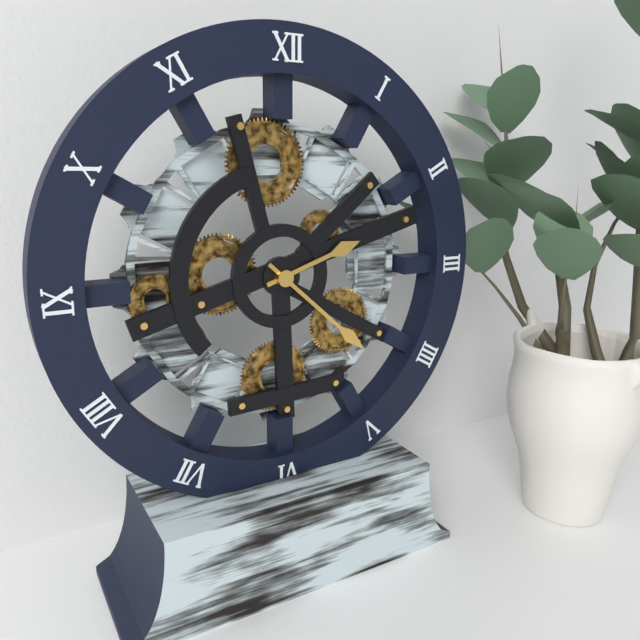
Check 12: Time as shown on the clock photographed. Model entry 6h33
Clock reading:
2h22
